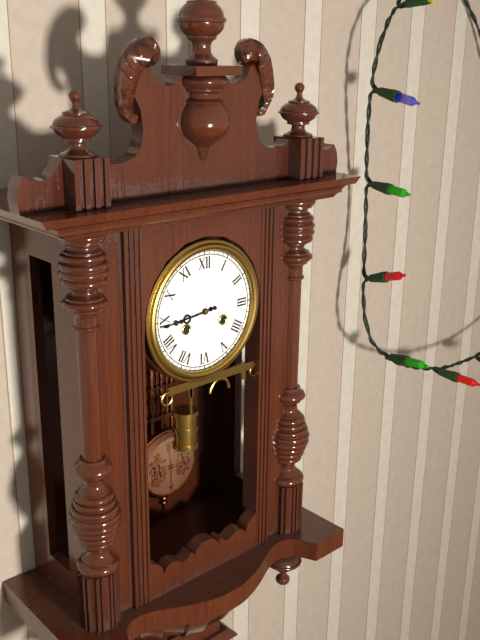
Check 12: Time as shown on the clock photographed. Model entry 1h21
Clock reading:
8h44
